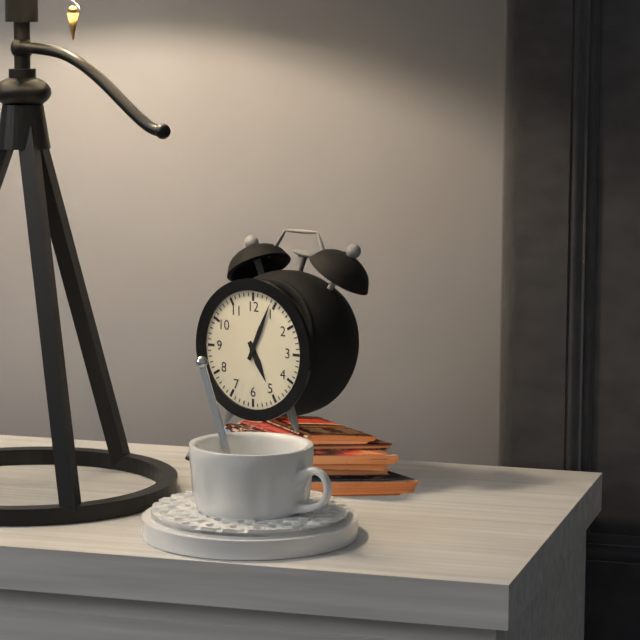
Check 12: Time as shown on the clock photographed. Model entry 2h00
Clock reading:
5h04
